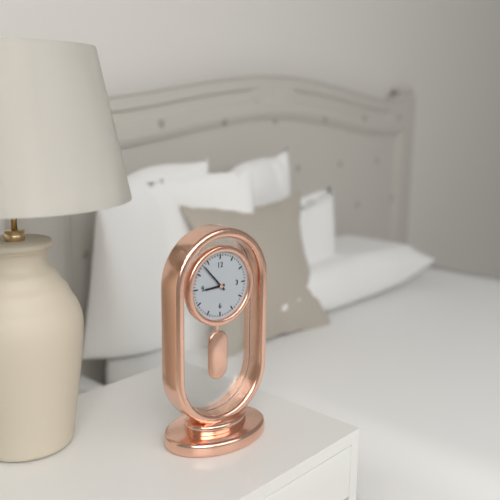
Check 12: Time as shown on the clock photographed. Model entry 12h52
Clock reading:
8h53
